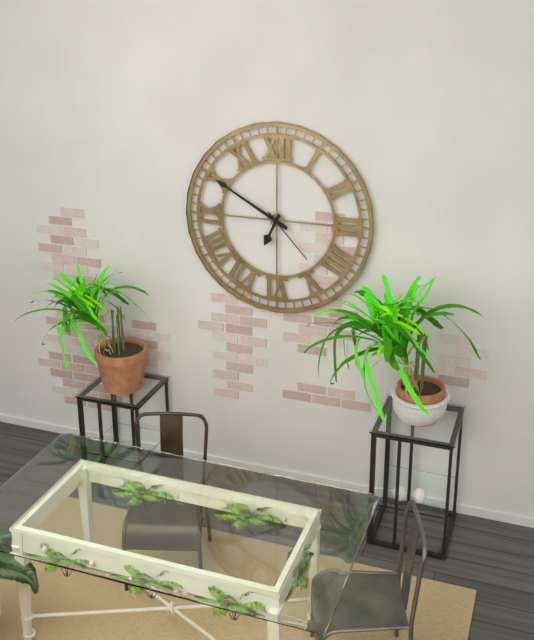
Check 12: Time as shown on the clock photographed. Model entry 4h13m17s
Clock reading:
6h50m23s
